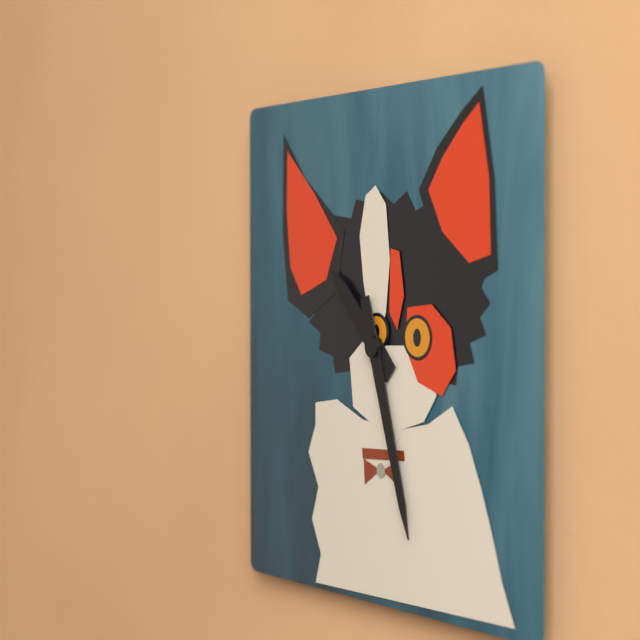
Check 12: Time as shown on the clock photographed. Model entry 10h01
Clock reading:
10h27
